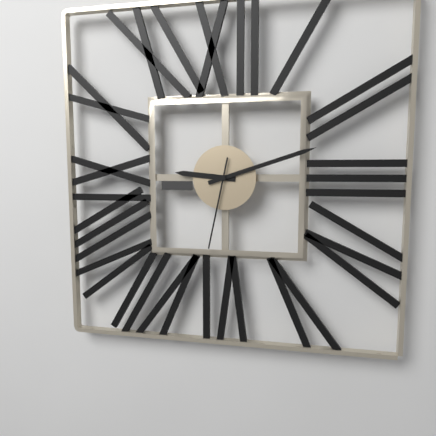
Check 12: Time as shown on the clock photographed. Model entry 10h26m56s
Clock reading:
9h12m32s
